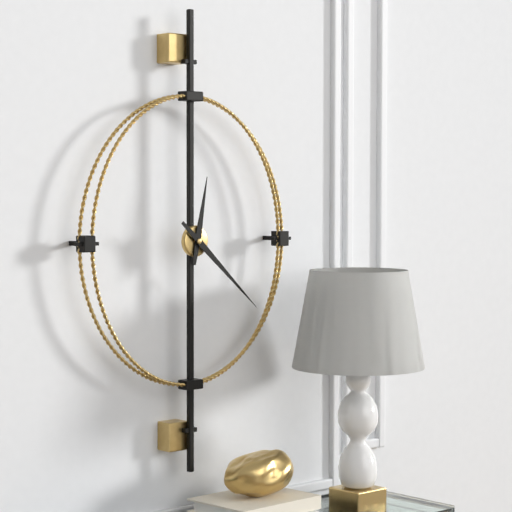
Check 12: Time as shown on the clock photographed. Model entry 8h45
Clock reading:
12h22
